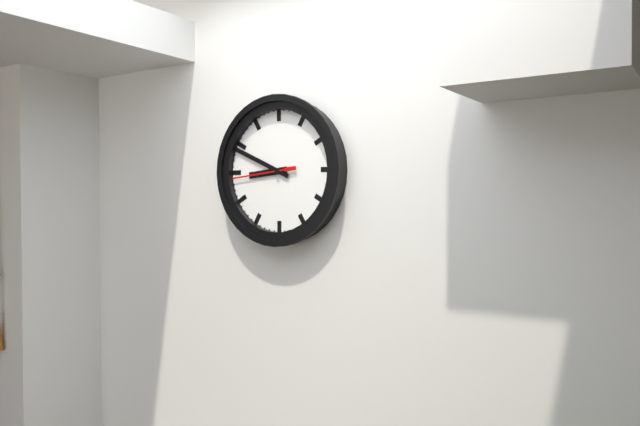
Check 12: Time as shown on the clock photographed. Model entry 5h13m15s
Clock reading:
8h49m44s
